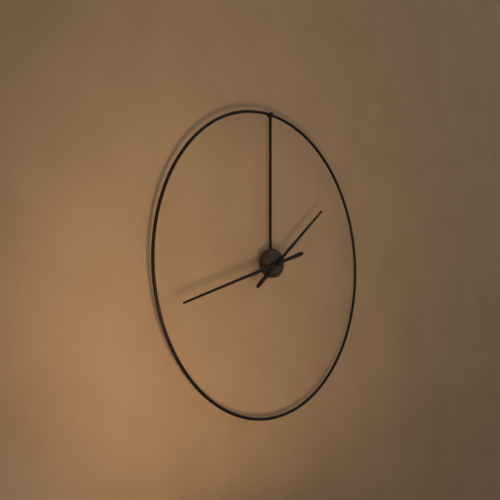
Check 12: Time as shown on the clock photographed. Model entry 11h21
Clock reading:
1h42
